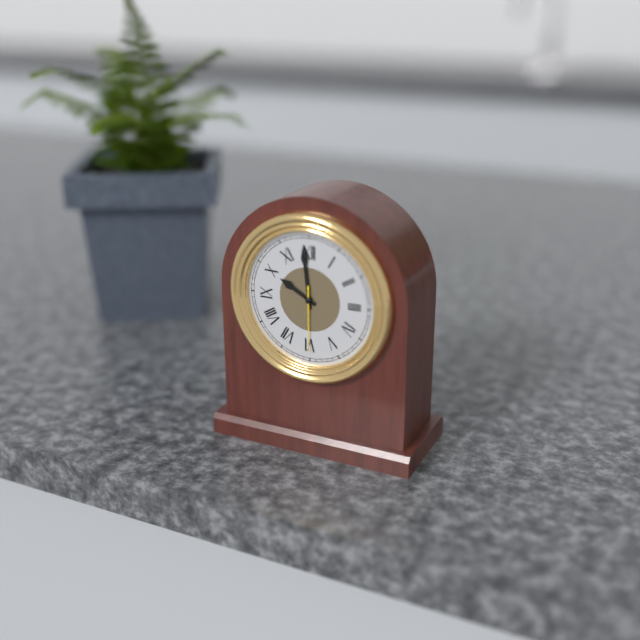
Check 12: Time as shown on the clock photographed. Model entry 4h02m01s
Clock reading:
9h59m30s
